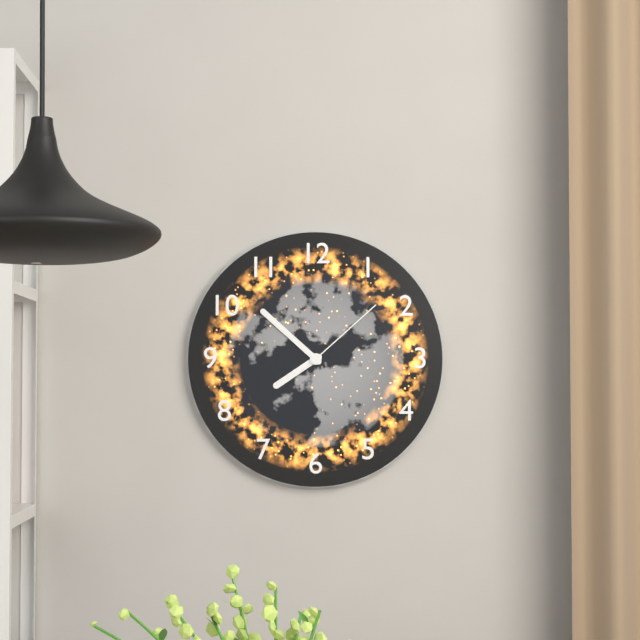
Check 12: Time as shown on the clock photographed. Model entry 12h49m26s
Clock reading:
7h52m08s
